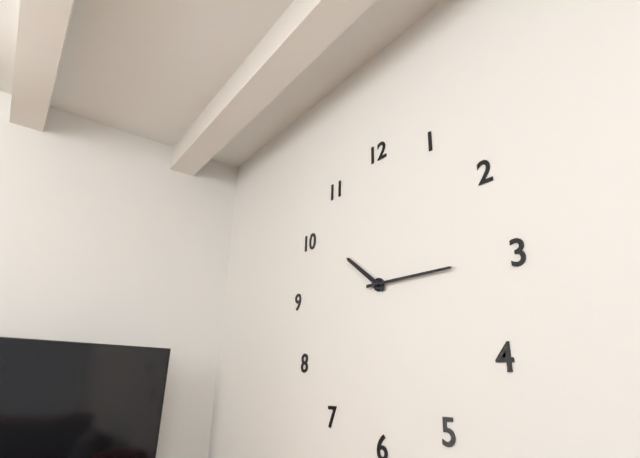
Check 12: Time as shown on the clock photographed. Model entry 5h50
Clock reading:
10h15
